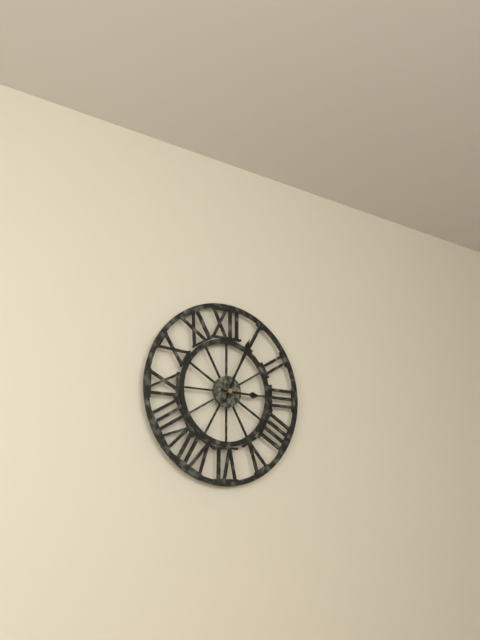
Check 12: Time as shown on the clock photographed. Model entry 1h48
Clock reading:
3h04
